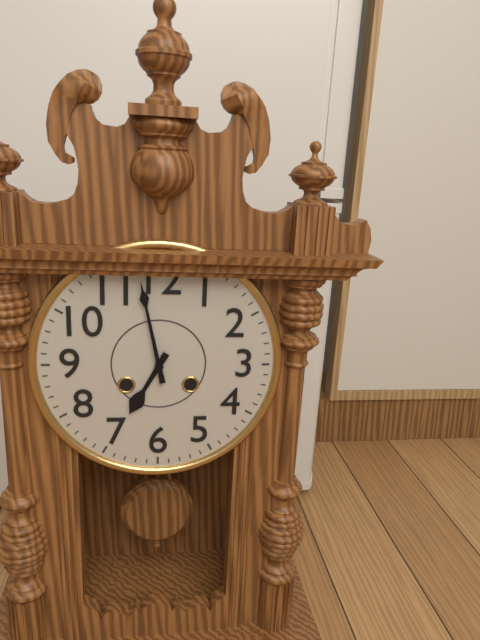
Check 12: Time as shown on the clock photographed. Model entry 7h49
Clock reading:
6h58
